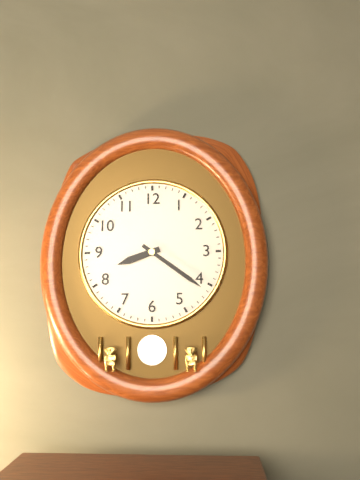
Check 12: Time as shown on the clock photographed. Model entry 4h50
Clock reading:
8h21
